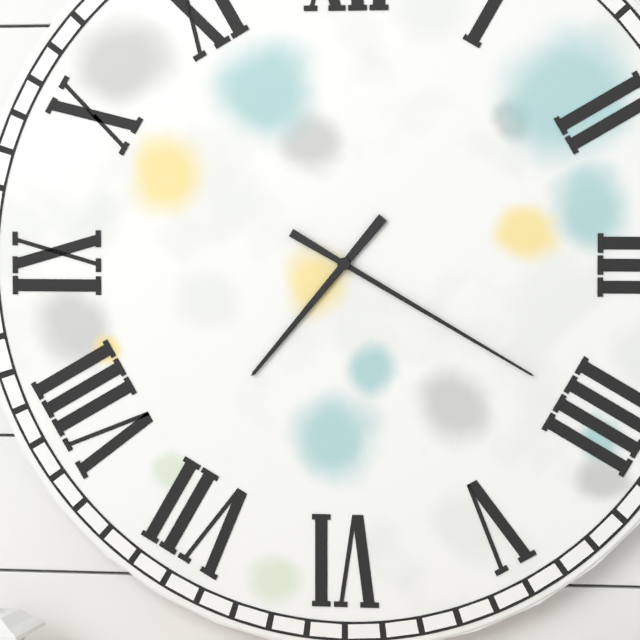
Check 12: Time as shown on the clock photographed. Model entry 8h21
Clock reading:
7h20
